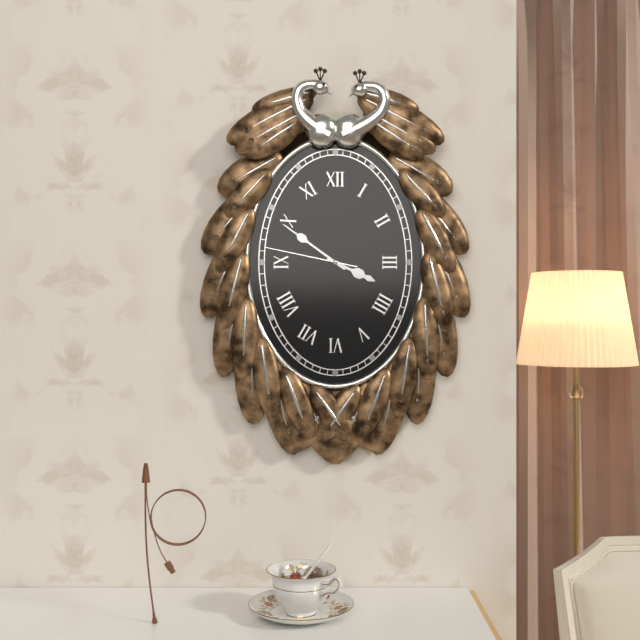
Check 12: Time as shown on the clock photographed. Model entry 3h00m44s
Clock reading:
3h51m47s
